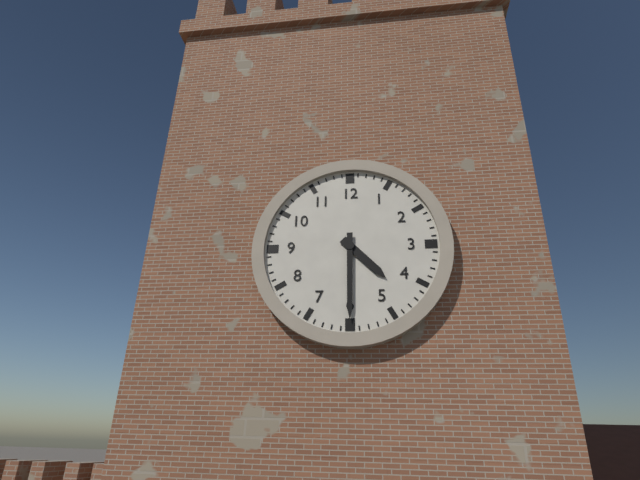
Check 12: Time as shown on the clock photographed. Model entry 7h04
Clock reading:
4h30
